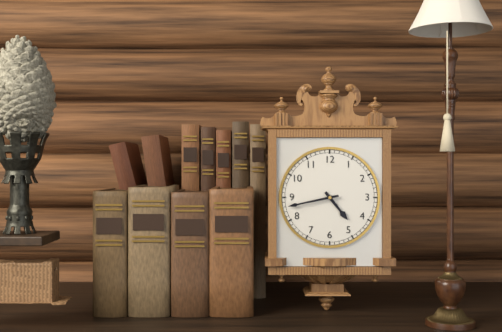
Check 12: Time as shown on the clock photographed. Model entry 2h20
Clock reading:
4h43
